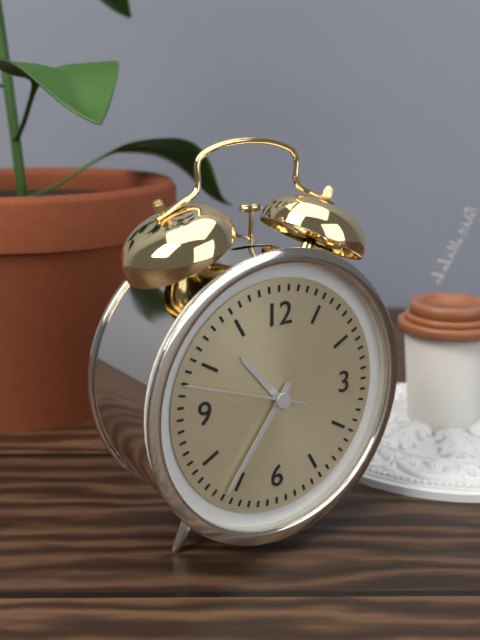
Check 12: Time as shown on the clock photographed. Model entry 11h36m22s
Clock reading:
10h36m48s
